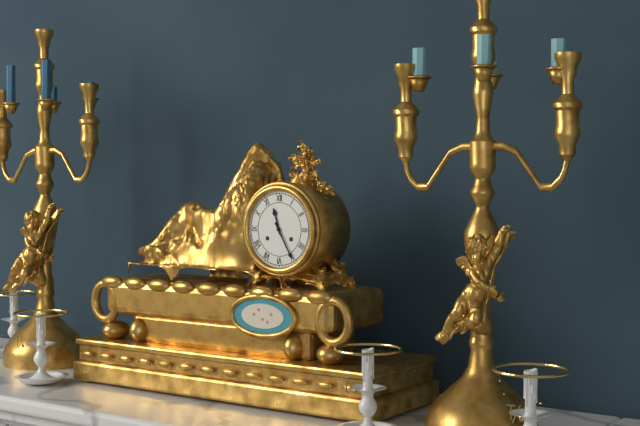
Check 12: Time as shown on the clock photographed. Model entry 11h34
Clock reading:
11h25
